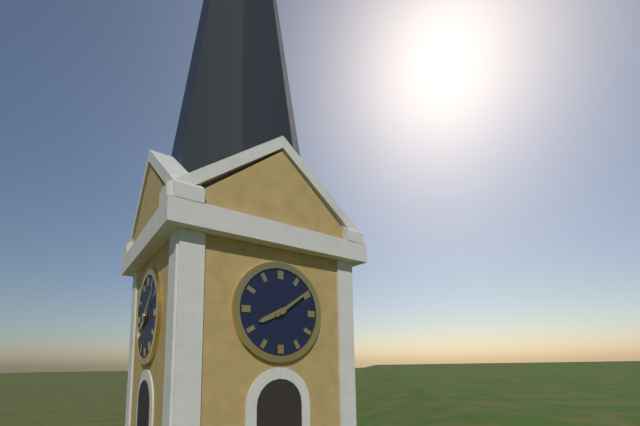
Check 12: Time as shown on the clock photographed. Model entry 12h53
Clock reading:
8h09
